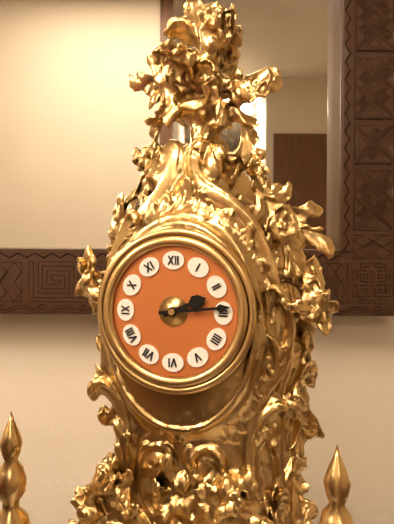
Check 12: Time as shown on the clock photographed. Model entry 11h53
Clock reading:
2h14
